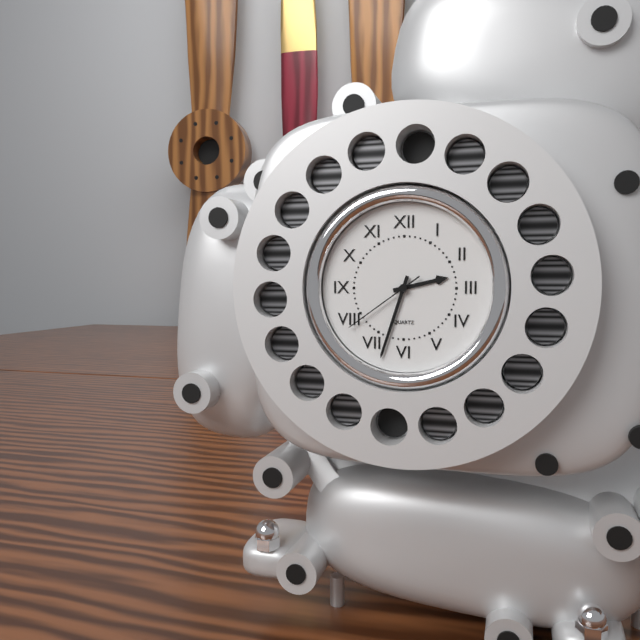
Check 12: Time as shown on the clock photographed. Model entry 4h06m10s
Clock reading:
2h33m39s
